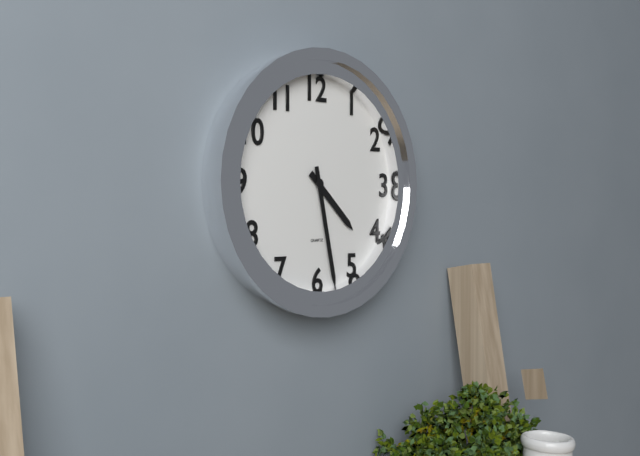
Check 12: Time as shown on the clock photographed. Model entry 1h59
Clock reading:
4h28
